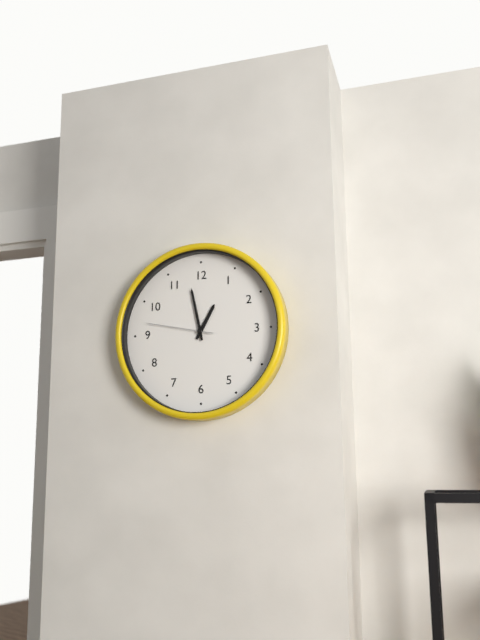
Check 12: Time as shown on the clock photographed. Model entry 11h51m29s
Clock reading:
12h58m47s
